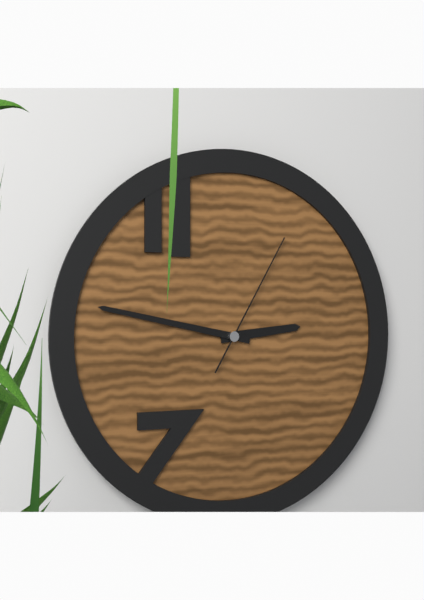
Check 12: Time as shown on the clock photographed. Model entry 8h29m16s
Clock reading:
2h47m05s
